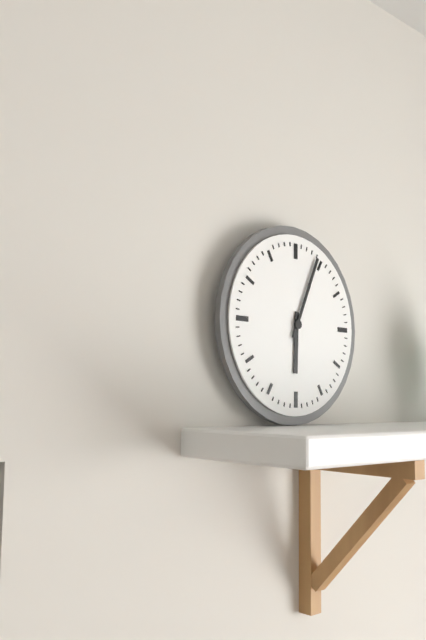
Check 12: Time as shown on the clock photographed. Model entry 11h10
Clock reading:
6h04
